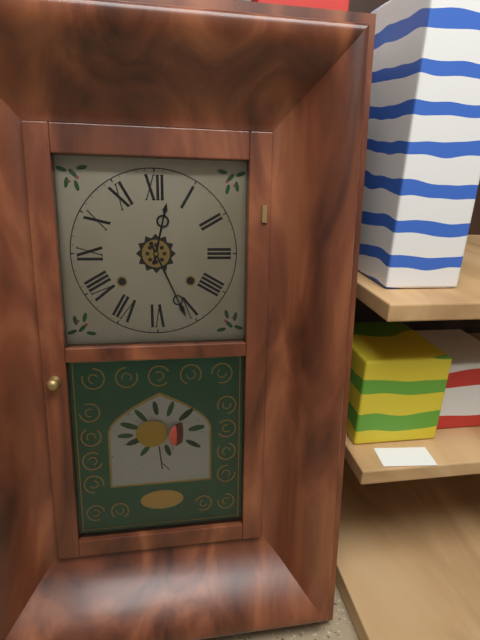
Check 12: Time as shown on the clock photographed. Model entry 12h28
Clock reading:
12h26
